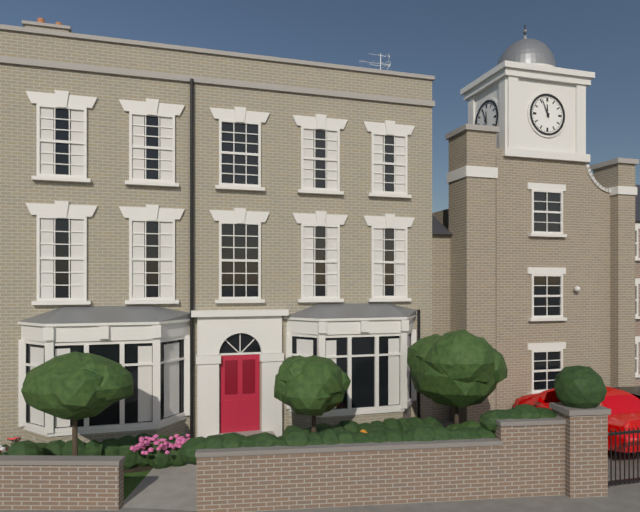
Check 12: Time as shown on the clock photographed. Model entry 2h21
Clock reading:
11h56
